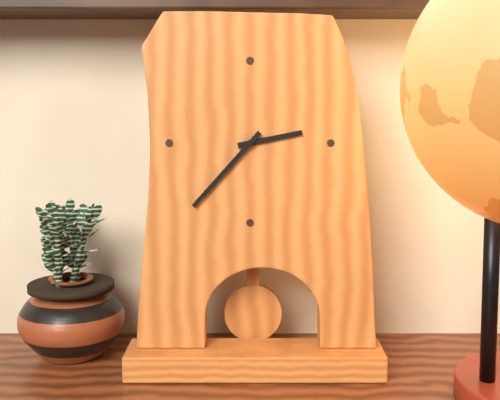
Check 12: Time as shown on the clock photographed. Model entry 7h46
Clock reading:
2h37
